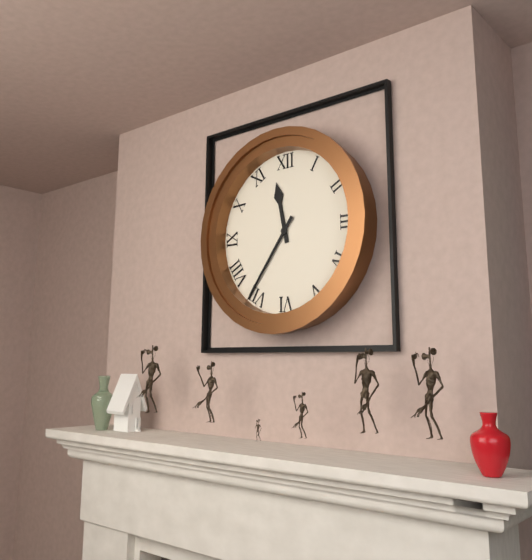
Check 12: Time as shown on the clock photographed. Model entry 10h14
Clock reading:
11h36
